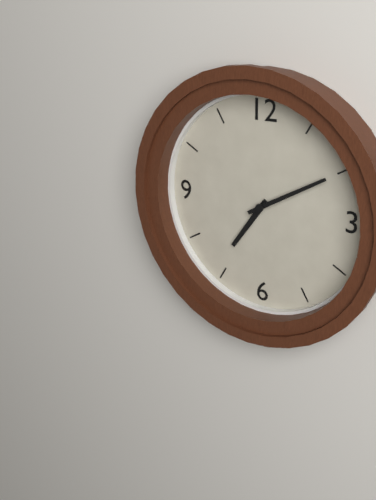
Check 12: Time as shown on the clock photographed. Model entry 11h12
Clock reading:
7h10
